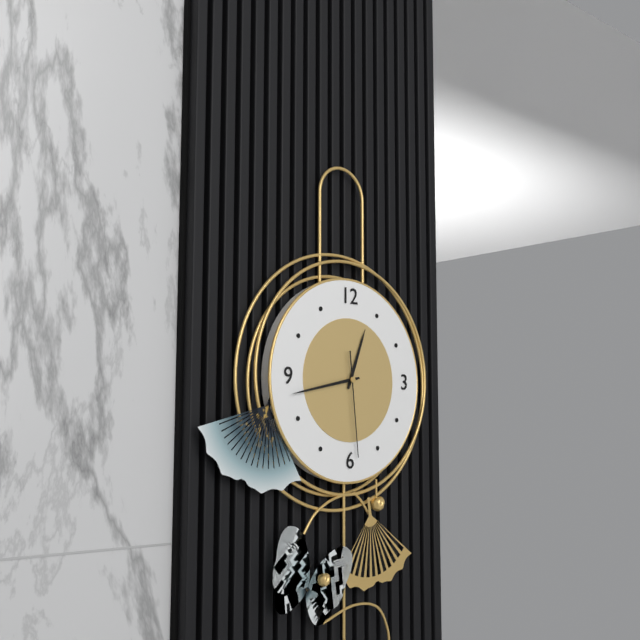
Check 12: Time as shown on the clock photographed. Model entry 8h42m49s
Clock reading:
12h43m29s
